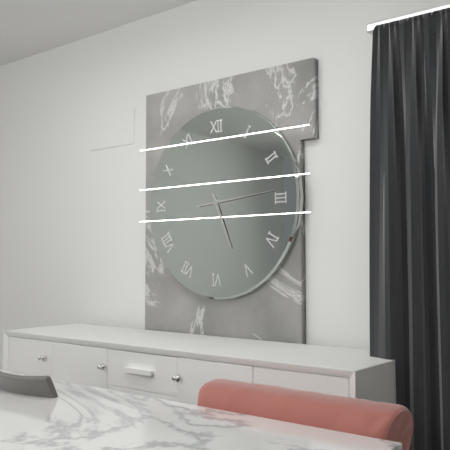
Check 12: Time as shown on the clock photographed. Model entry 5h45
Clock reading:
5h14
